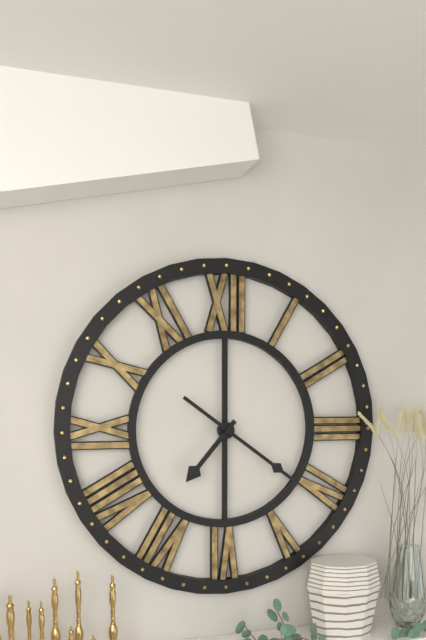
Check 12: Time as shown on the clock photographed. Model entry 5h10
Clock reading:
7h21
